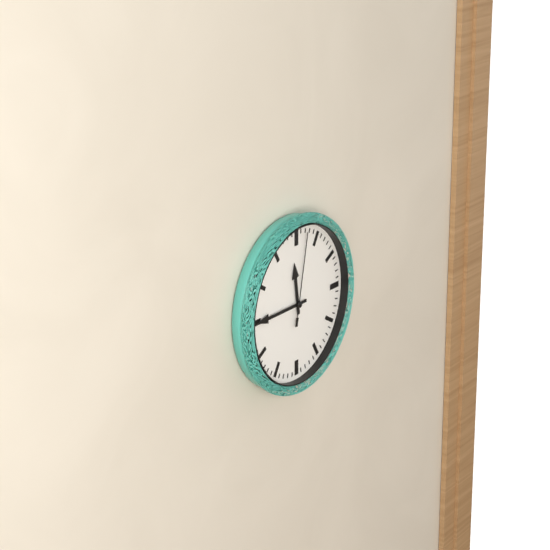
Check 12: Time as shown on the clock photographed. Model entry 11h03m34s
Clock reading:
11h45m02s
